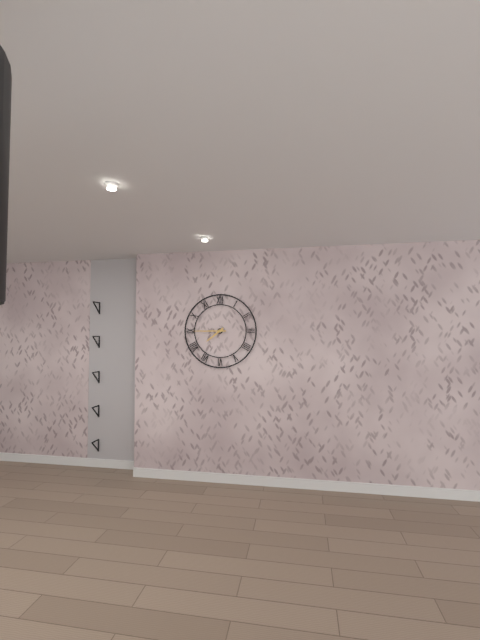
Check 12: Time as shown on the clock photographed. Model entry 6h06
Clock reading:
7h45
